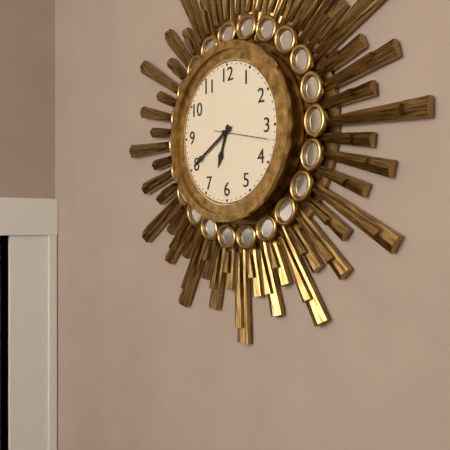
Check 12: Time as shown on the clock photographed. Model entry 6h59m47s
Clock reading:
6h40m17s
